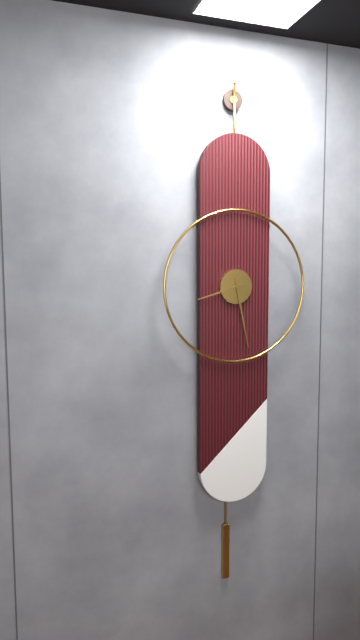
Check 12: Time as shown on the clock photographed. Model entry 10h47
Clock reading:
8h28
